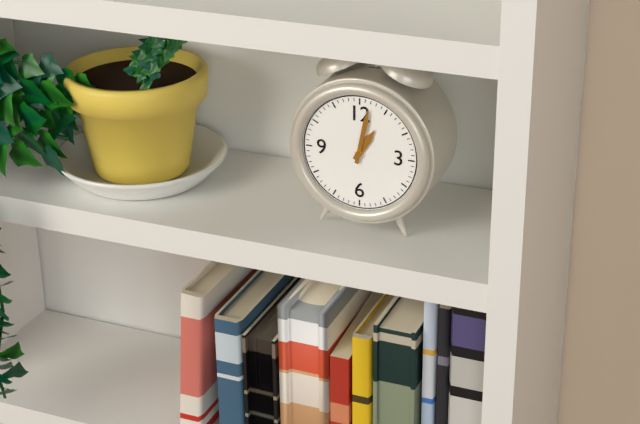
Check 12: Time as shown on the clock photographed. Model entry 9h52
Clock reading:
1h02
